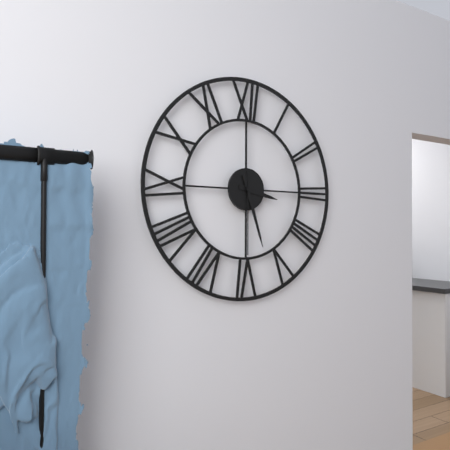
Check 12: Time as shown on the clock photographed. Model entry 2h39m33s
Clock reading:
3h27m30s
